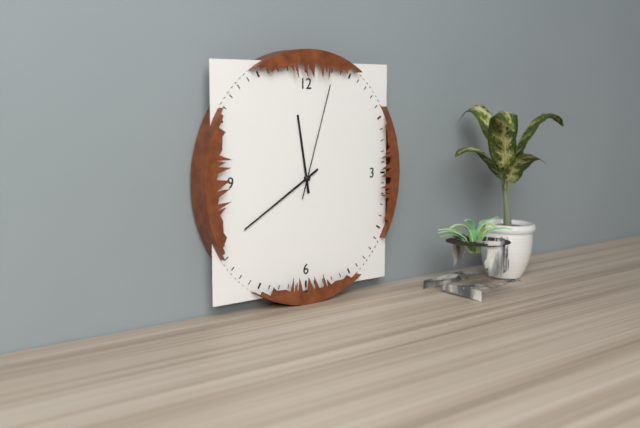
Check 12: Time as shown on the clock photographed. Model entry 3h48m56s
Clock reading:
11h40m03s
